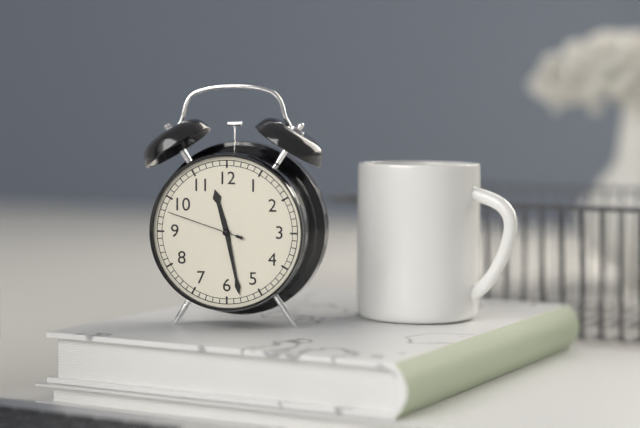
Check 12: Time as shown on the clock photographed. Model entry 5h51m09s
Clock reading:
11h28m48s
